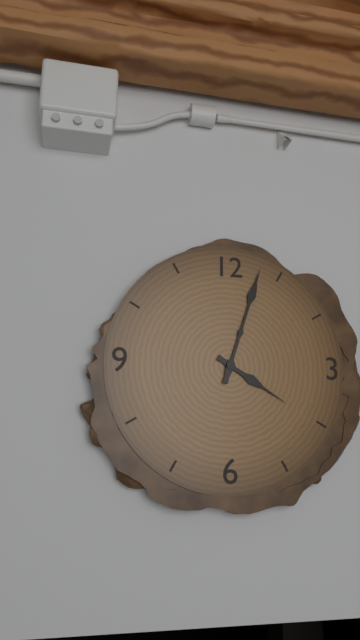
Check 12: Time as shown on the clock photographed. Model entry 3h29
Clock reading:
4h03
